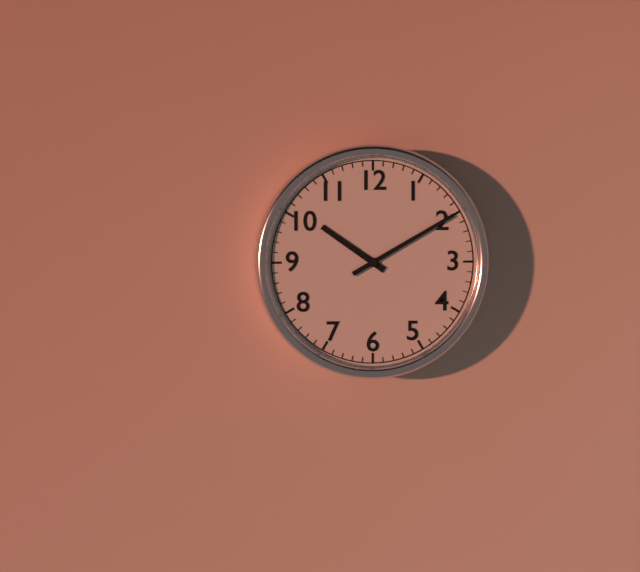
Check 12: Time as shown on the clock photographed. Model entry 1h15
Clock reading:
10h10
